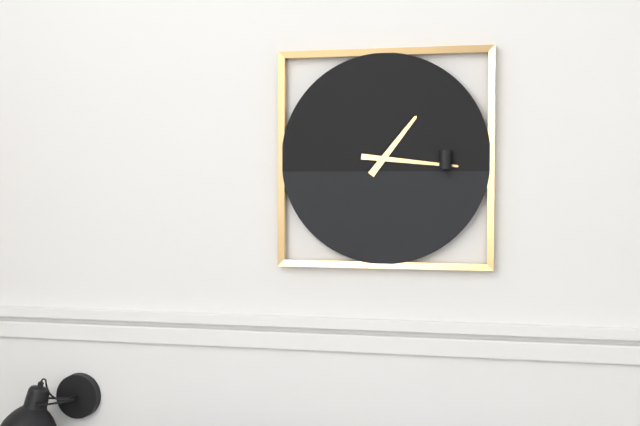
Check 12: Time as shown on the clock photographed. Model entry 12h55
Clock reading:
1h16
